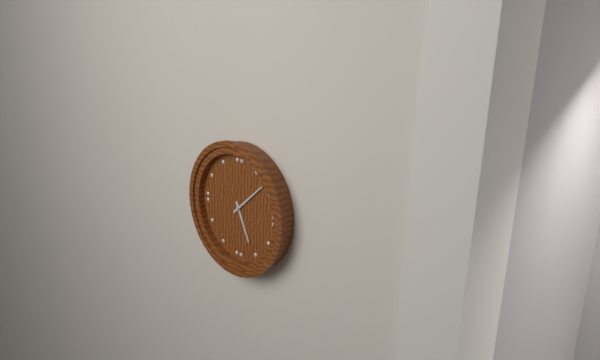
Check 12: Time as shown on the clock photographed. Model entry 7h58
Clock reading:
5h08
